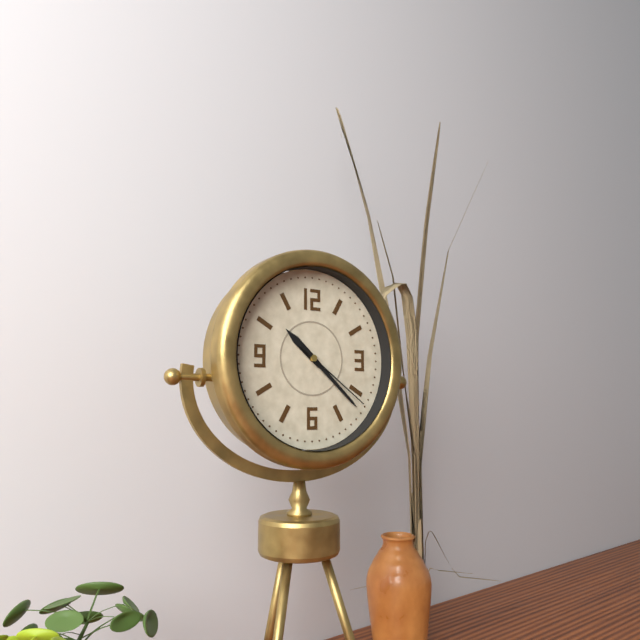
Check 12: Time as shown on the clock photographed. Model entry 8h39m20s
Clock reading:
10h22m21s
